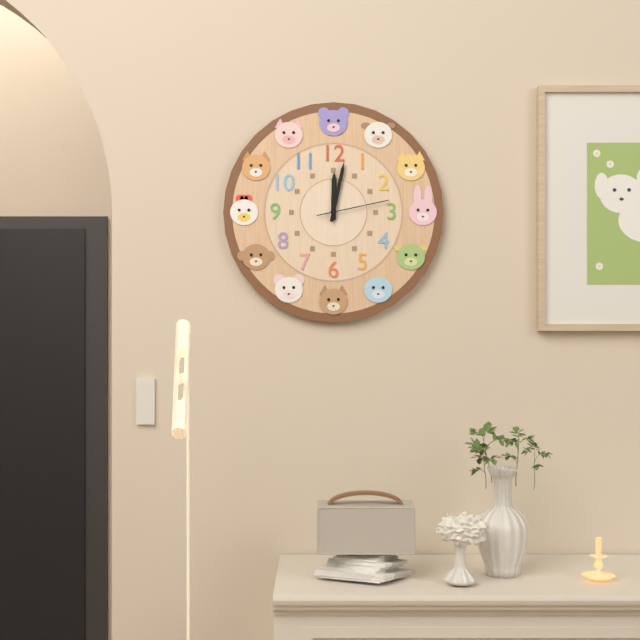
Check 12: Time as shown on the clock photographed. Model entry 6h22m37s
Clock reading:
12h02m13s
